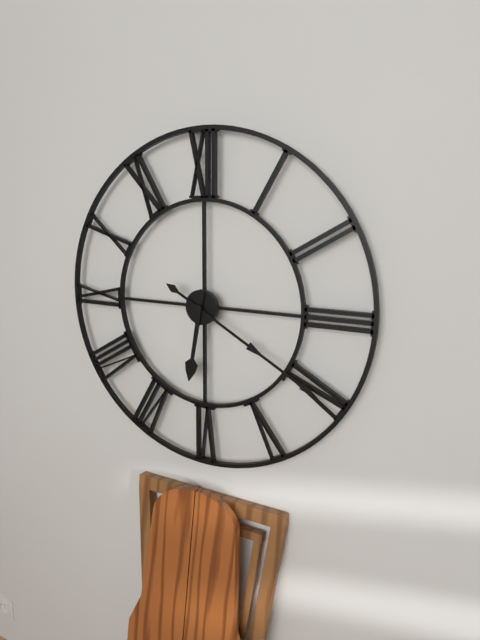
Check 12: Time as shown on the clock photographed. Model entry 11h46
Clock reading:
6h20
